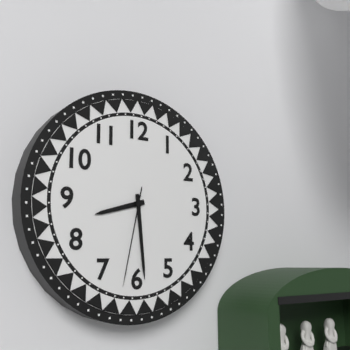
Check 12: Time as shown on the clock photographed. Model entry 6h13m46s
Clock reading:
8h29m32s
